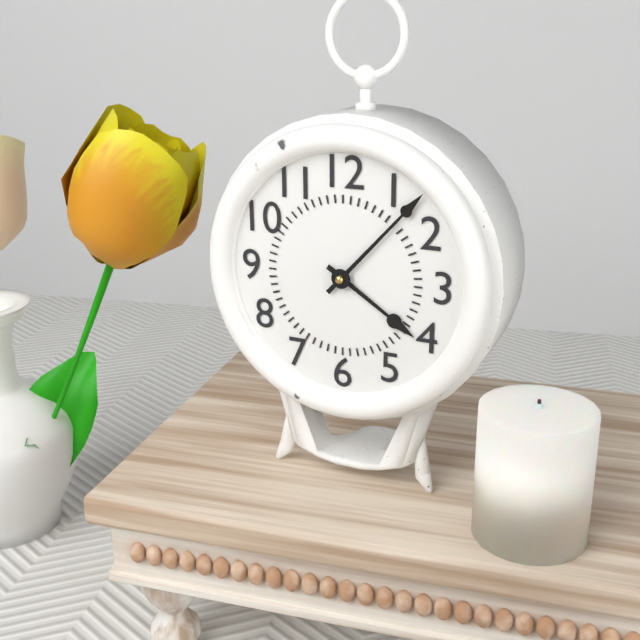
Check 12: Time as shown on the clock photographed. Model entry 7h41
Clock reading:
4h07
